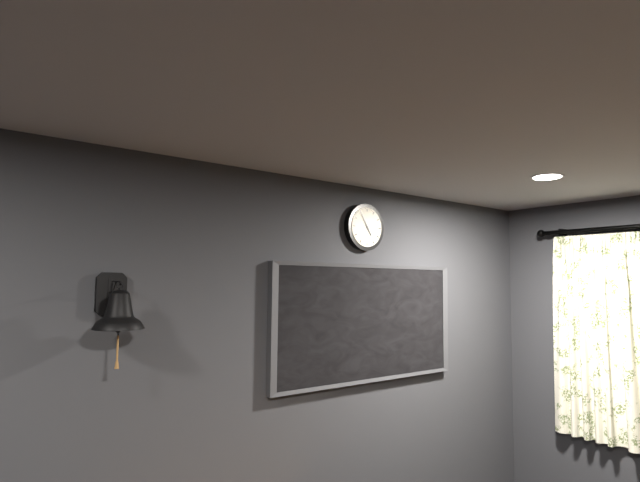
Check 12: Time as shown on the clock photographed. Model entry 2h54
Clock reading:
4h55
